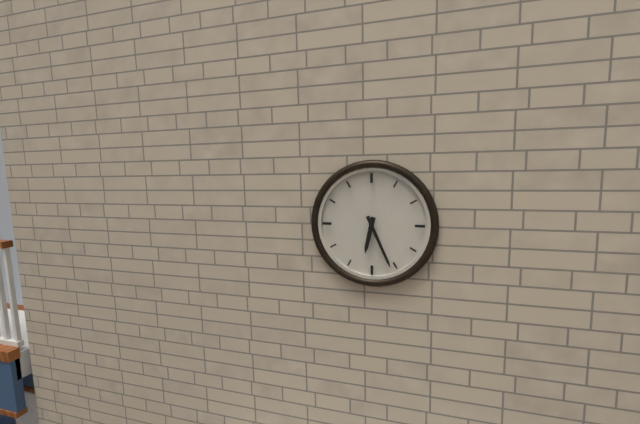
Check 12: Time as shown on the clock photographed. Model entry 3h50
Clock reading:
6h26
